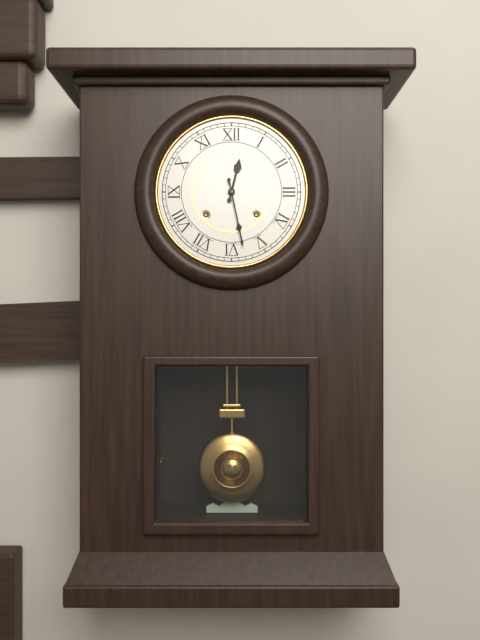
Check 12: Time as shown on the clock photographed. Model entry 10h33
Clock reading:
12h28
